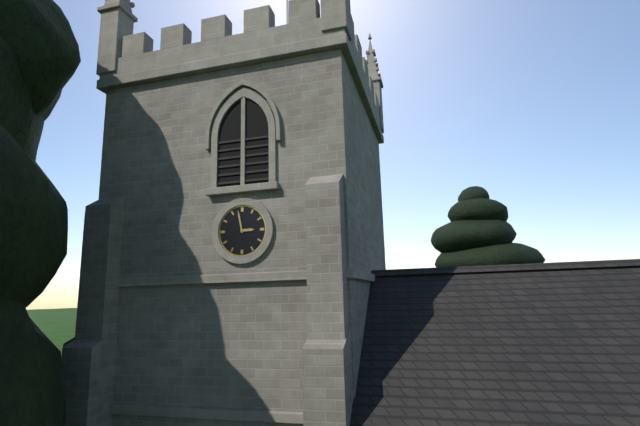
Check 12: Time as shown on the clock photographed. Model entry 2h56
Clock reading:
2h58
